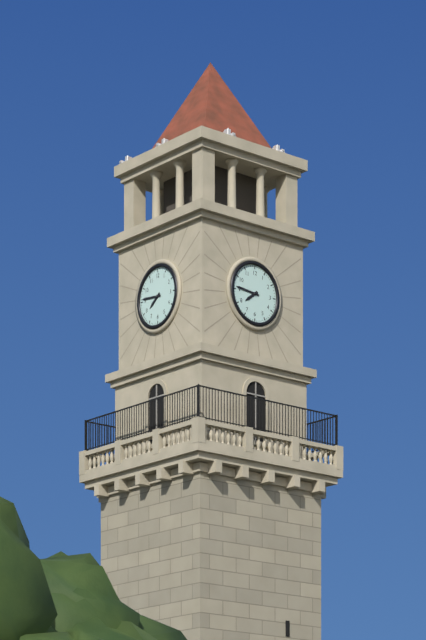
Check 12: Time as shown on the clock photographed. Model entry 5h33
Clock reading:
7h46
